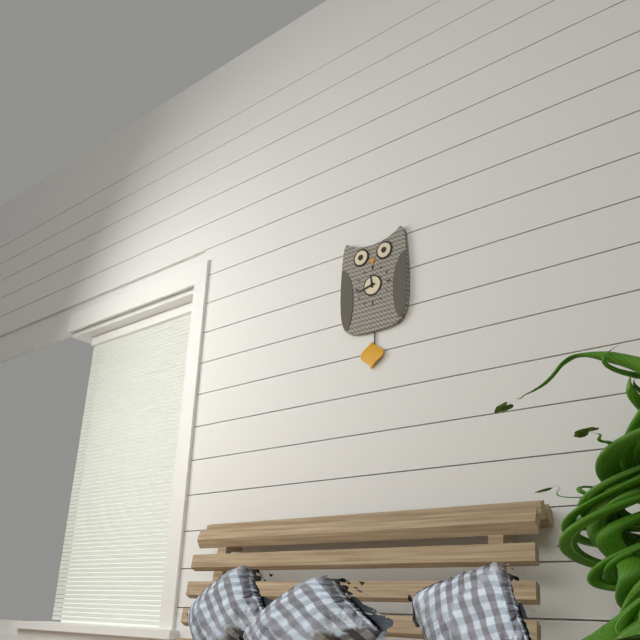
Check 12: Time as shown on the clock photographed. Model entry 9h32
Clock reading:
11h43
